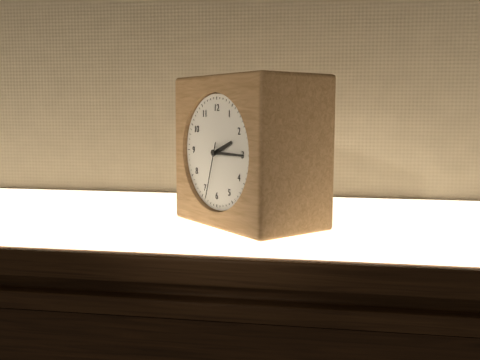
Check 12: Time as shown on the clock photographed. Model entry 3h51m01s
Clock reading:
2h15m33s
